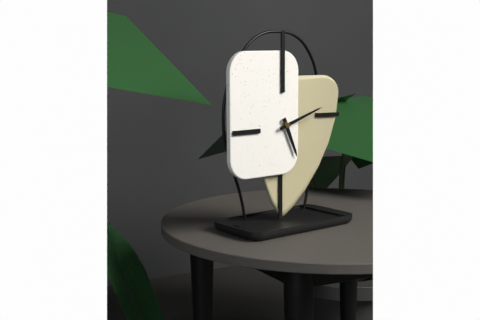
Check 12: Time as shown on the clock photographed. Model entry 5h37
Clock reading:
5h12
